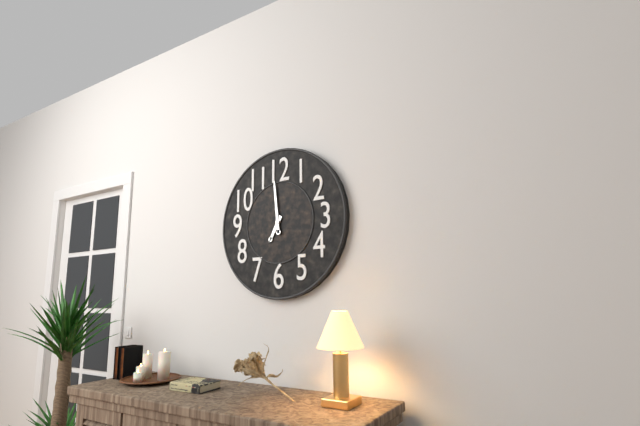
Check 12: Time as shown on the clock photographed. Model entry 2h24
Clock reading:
6h59
